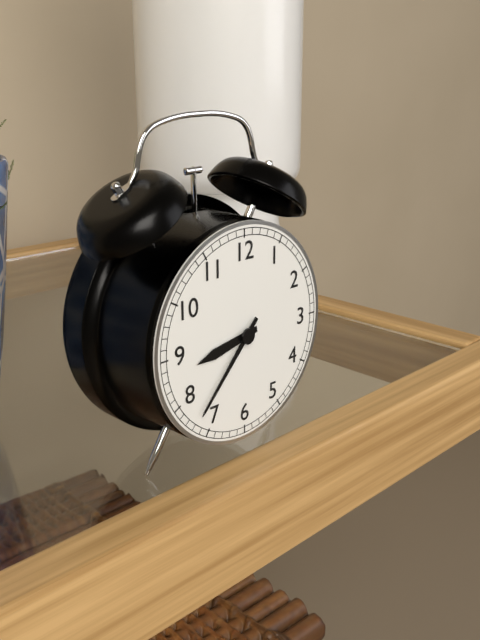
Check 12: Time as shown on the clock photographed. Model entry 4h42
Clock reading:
8h37
